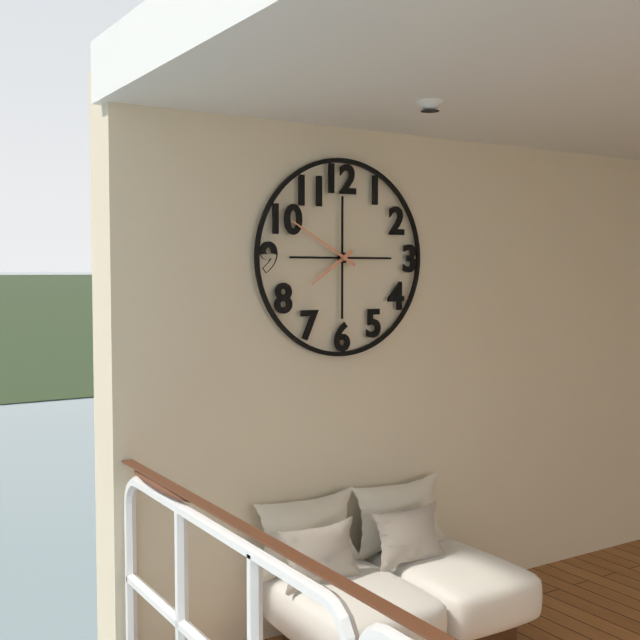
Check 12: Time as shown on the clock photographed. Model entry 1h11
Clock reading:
7h50
